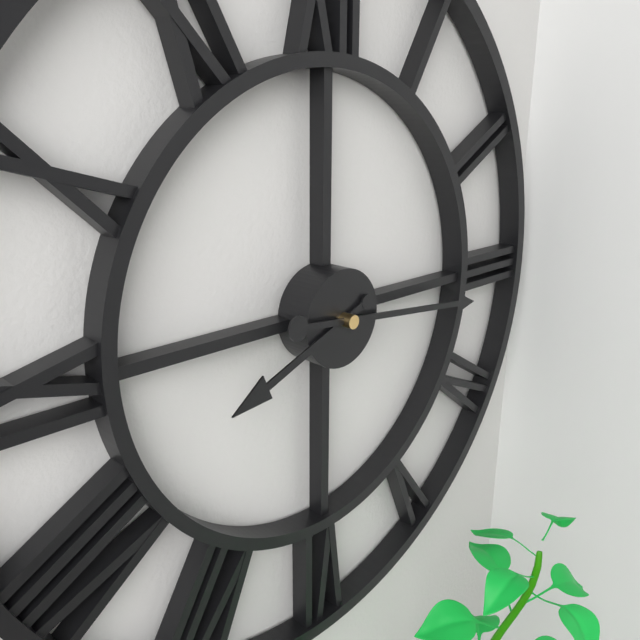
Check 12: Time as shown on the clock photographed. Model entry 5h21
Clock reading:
8h16
